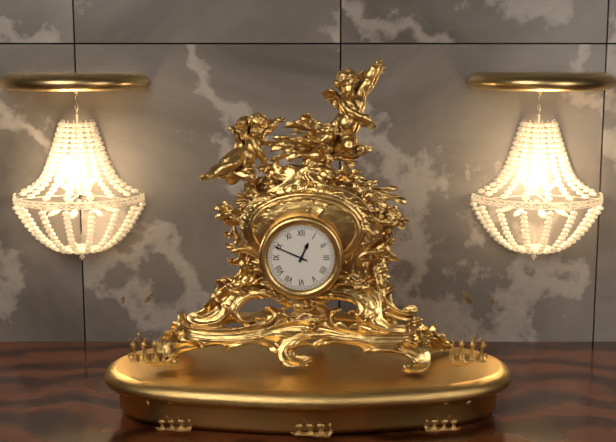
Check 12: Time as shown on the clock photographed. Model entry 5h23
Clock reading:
12h49
